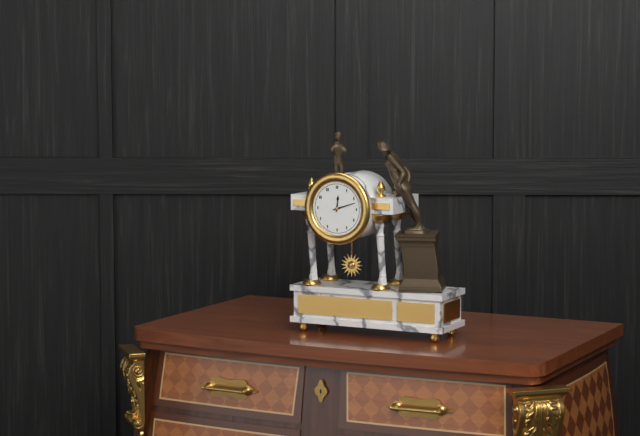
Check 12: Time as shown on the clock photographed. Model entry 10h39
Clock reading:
12h12
